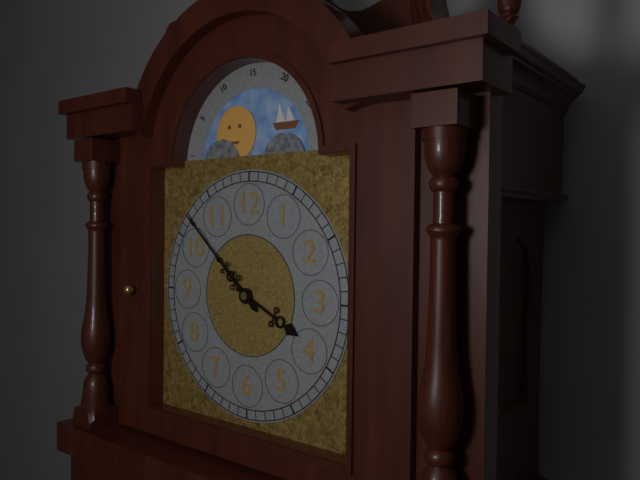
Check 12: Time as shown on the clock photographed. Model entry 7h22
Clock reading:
3h52
